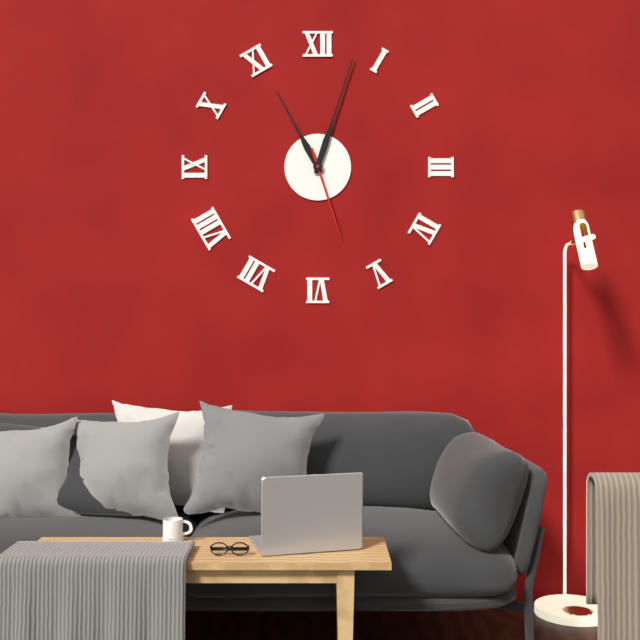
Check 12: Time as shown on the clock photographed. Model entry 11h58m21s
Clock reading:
11h03m27s
